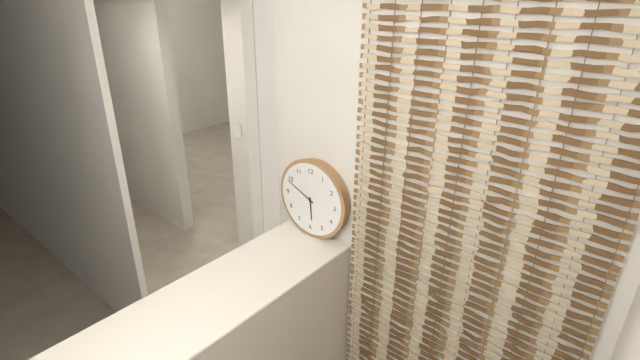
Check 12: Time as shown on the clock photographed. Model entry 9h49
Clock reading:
5h49
